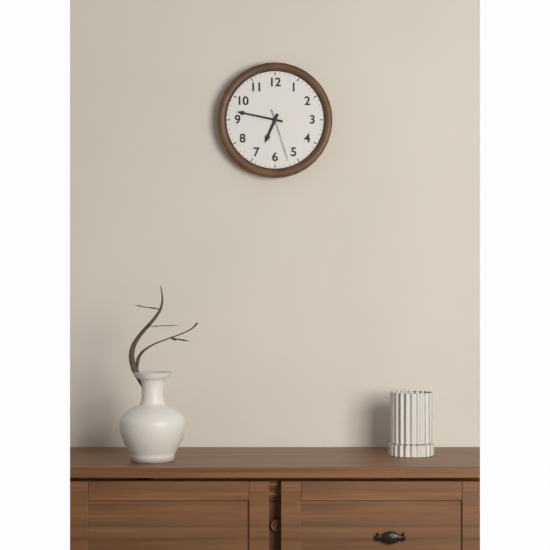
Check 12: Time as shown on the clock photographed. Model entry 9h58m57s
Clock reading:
6h47m27s
